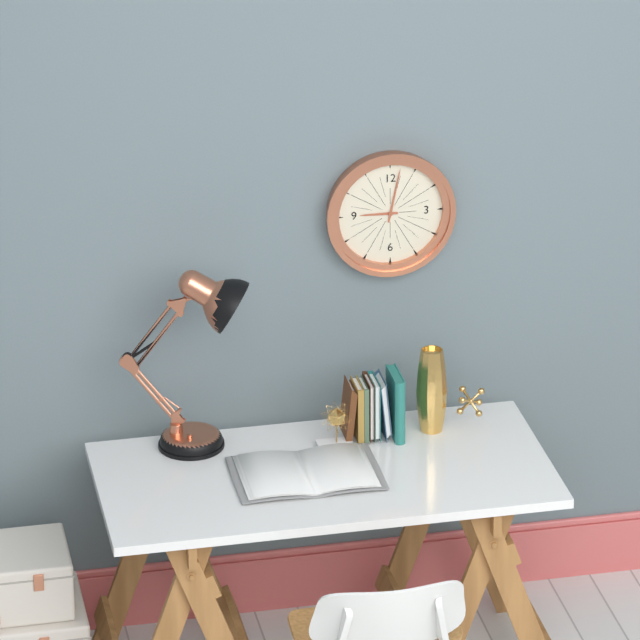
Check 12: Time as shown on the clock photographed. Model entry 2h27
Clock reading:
9h02
